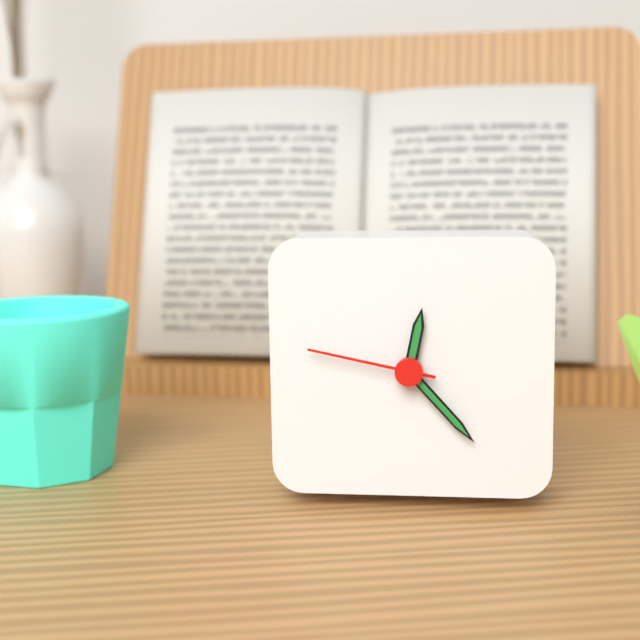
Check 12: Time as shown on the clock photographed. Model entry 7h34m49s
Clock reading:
12h23m47s
